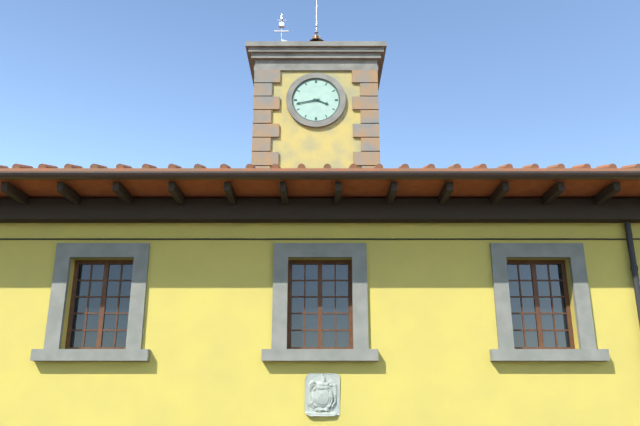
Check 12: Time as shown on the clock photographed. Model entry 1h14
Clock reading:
3h43
